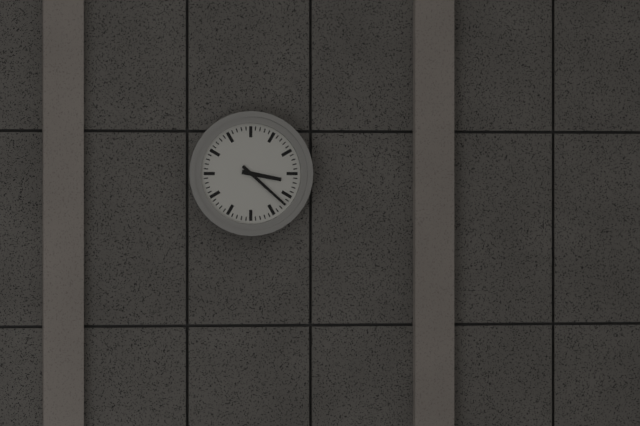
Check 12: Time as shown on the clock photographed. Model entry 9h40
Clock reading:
3h22
